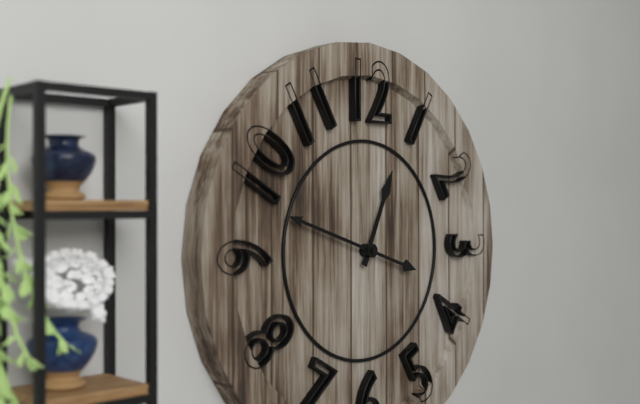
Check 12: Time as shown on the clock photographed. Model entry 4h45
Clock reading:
12h48
